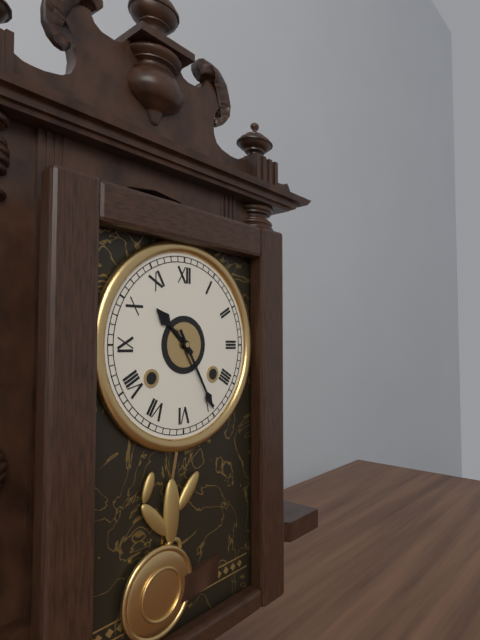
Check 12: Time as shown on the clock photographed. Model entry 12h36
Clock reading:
10h25
